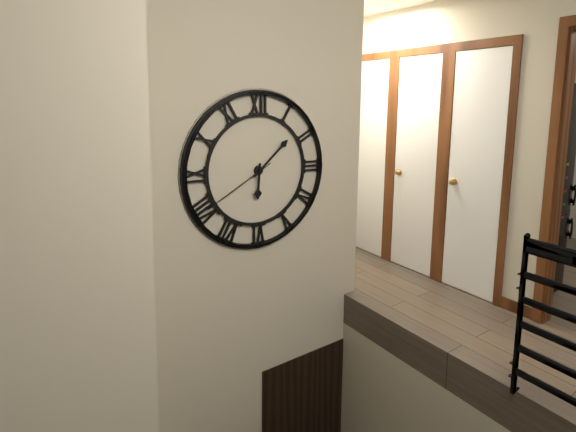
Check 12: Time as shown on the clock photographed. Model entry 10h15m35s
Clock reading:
6h08m40s
